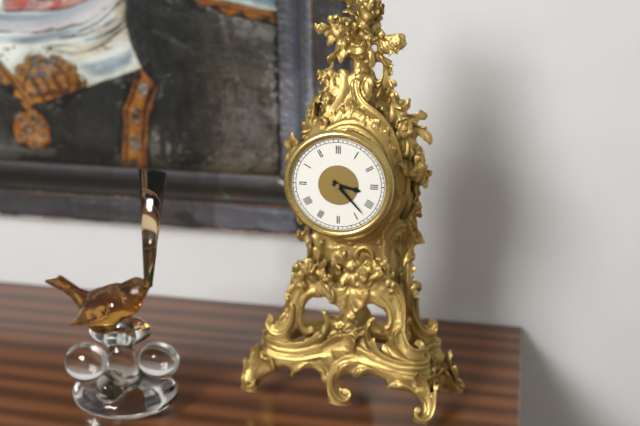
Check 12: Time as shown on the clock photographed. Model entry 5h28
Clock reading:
3h23
